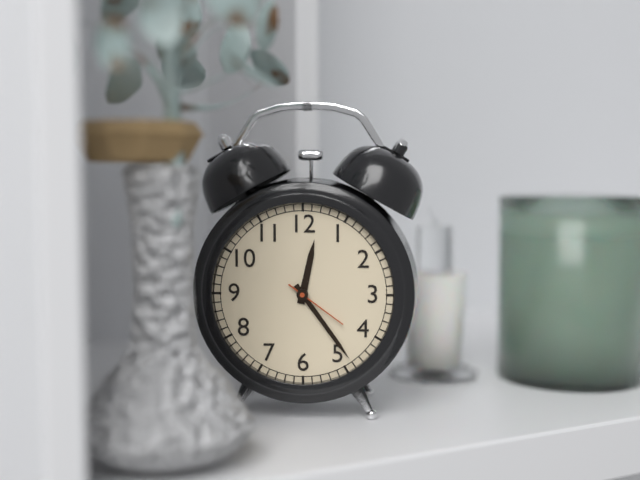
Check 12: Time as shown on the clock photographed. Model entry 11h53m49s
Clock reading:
12h24m21s
